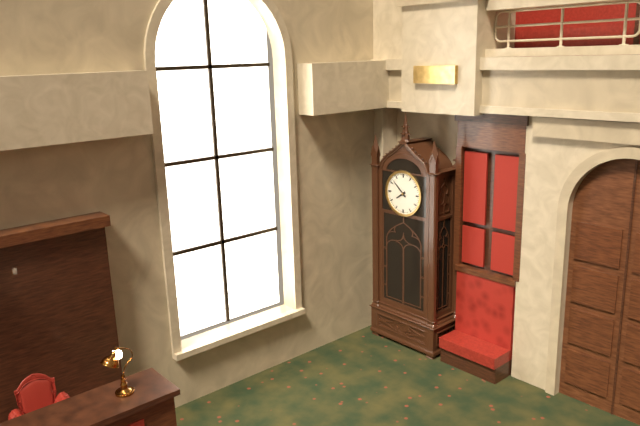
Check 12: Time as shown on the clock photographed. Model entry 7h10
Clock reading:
7h52
